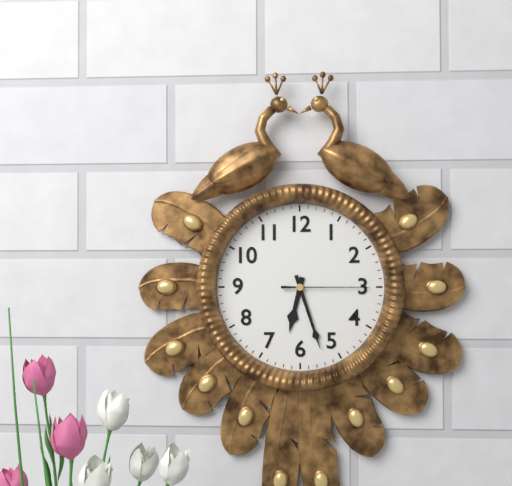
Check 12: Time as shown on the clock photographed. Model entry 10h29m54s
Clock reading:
6h27m15s
